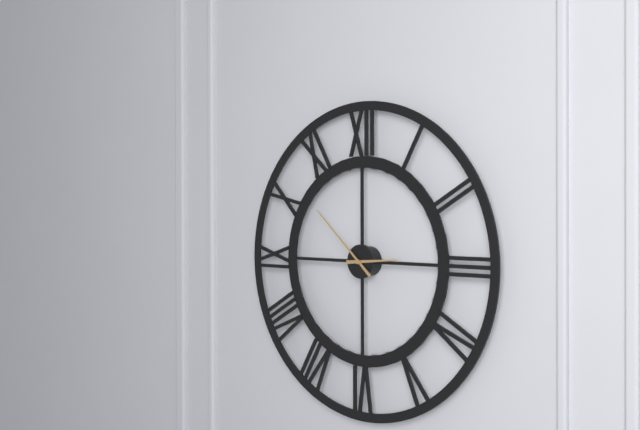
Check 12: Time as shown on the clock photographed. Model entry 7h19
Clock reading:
2h52
